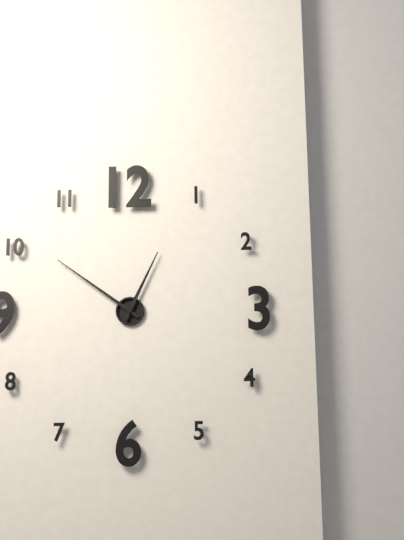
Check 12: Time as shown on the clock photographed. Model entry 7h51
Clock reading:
12h51
